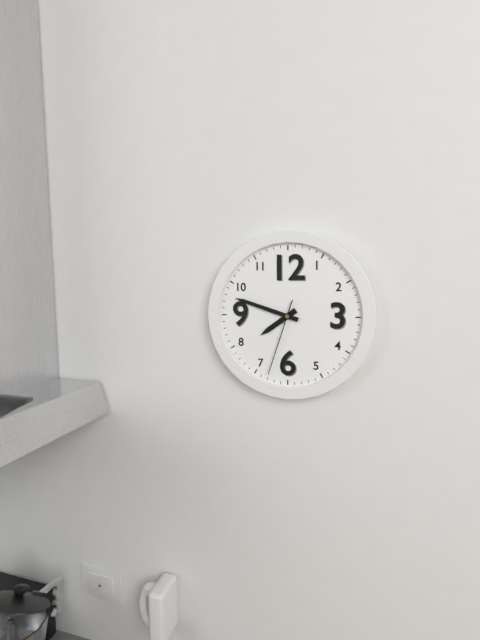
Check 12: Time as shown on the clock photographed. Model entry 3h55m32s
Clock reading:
7h48m33s
